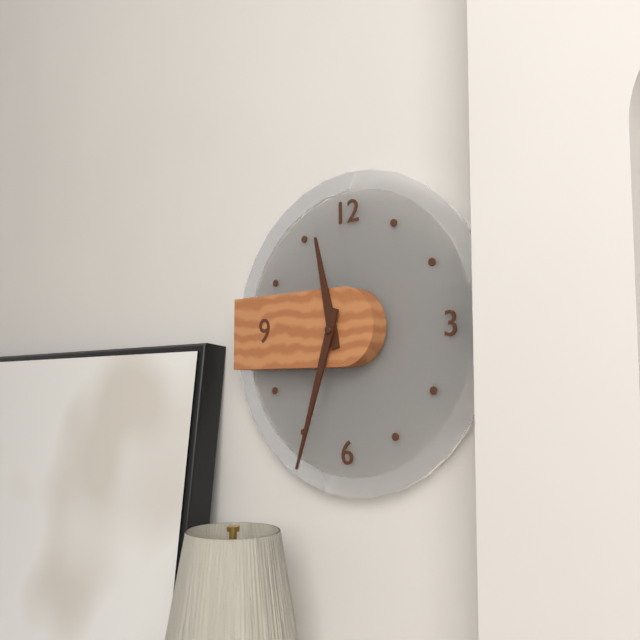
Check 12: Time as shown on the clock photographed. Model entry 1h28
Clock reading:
11h33
